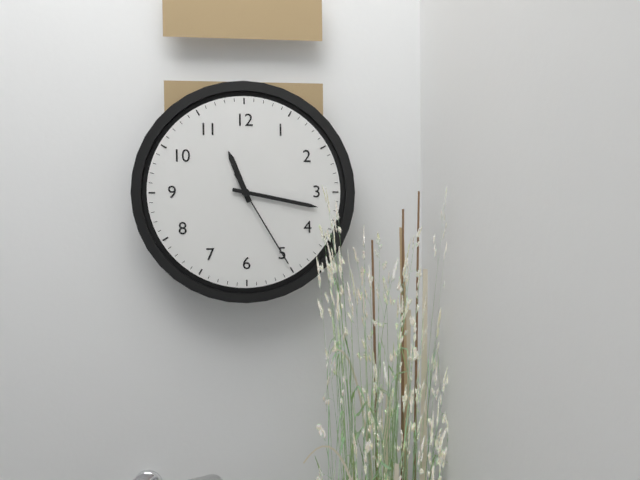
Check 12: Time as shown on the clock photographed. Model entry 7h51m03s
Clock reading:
11h17m25s
